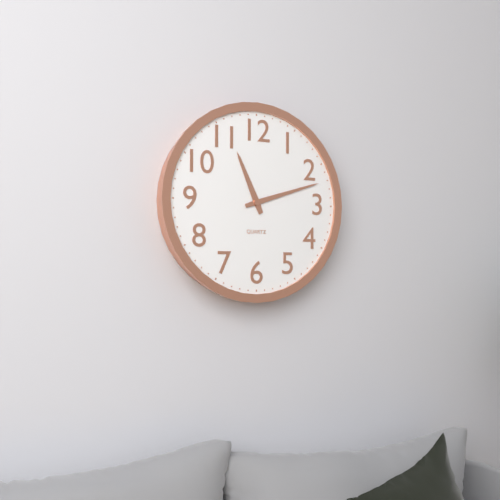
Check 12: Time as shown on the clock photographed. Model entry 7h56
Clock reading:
11h12
